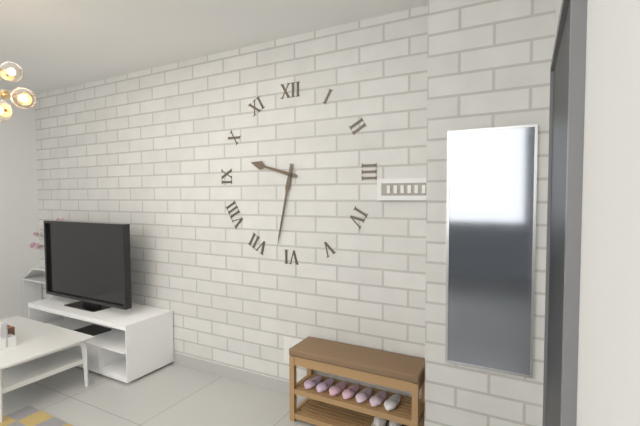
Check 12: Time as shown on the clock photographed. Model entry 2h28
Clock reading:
9h32
